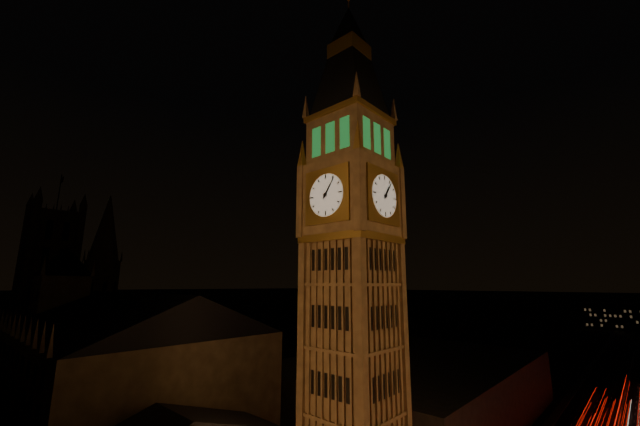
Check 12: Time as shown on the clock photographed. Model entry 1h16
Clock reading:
1h06
